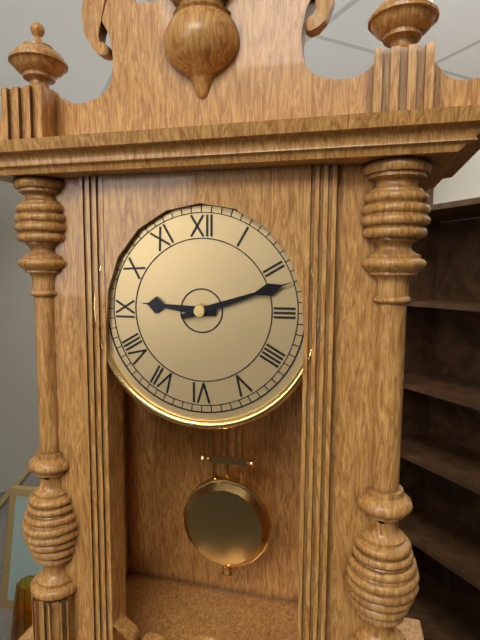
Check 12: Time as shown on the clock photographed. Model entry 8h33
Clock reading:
9h12
